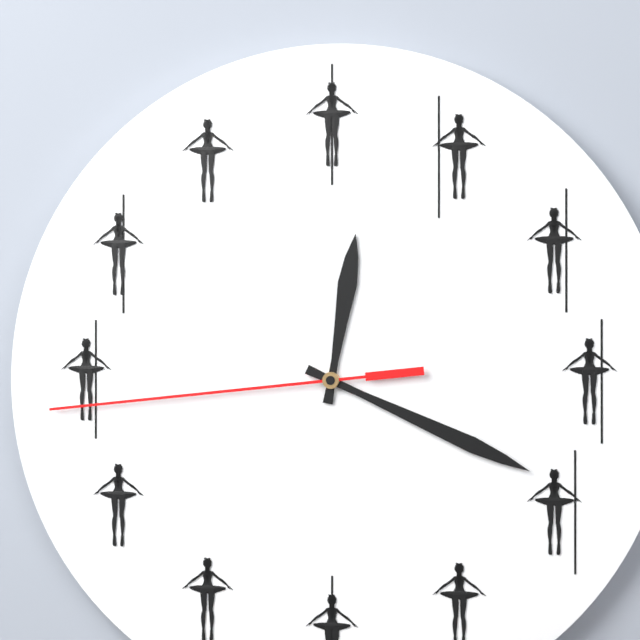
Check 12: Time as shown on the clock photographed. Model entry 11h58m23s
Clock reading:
12h19m44s
